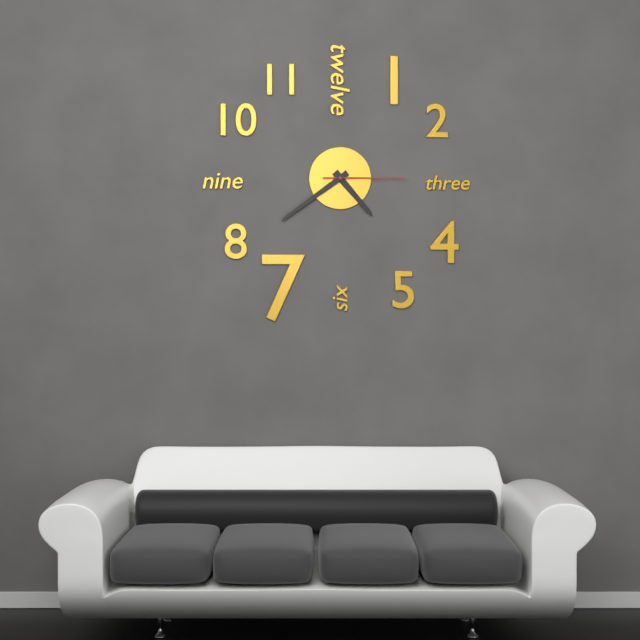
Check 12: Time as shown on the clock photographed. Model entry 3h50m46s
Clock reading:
4h39m15s
